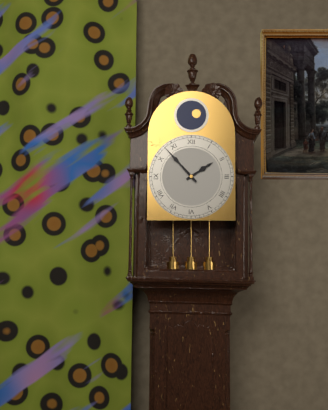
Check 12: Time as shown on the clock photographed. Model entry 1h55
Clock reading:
1h53
